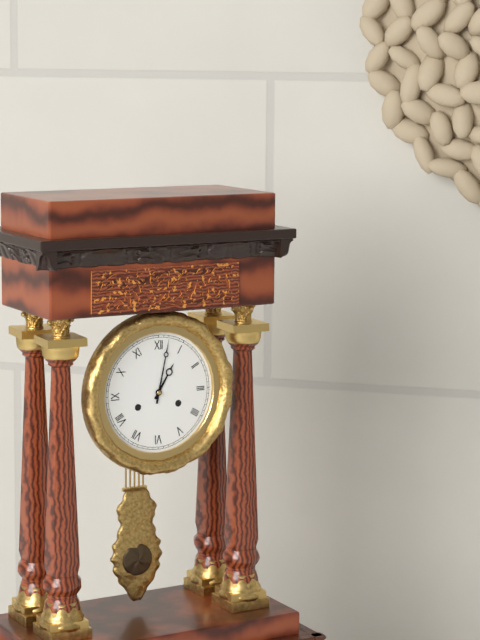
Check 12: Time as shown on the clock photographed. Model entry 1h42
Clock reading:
1h02
